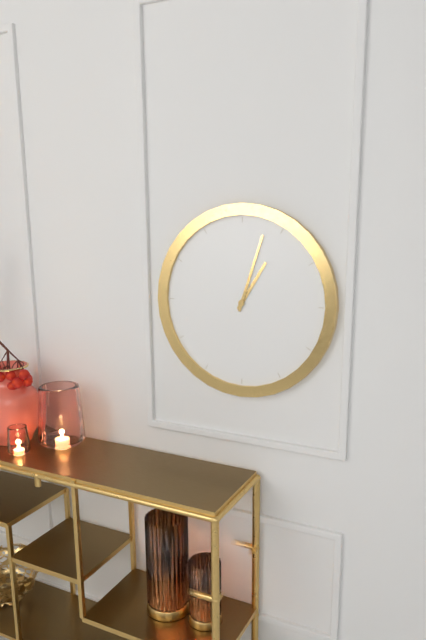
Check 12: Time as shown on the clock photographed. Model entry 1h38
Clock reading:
1h03
